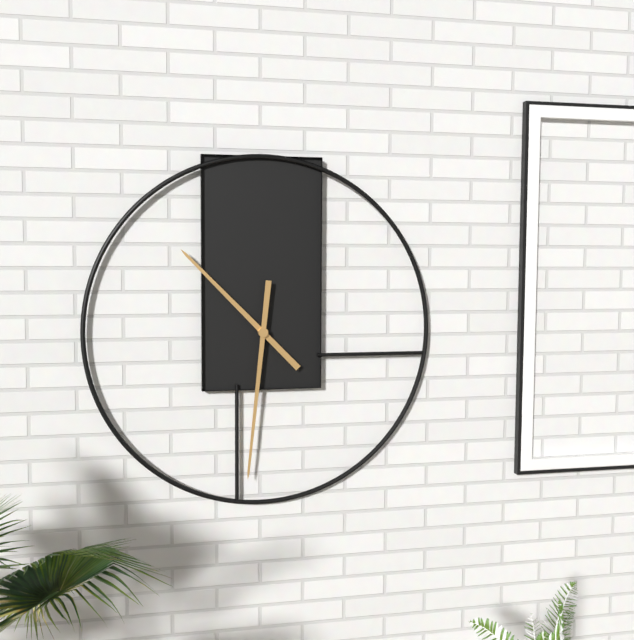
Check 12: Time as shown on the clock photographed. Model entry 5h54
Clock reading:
10h31
